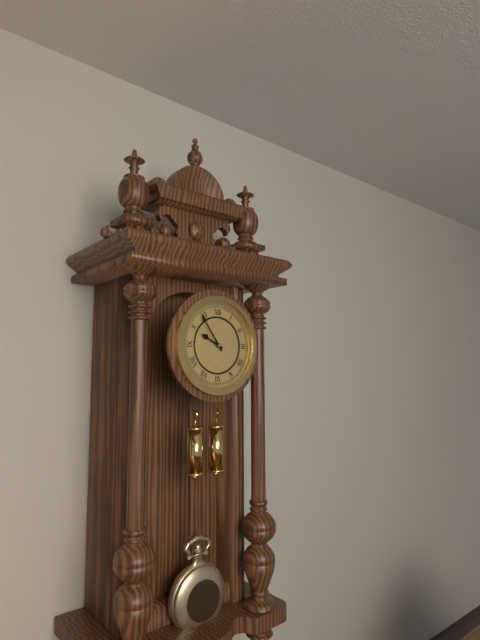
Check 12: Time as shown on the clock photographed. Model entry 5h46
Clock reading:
9h54
